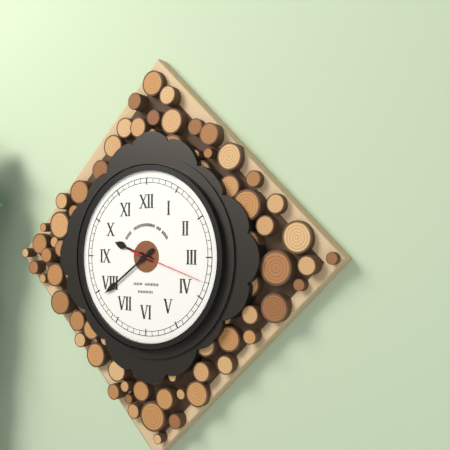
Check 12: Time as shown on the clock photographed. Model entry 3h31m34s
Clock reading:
9h39m18s
